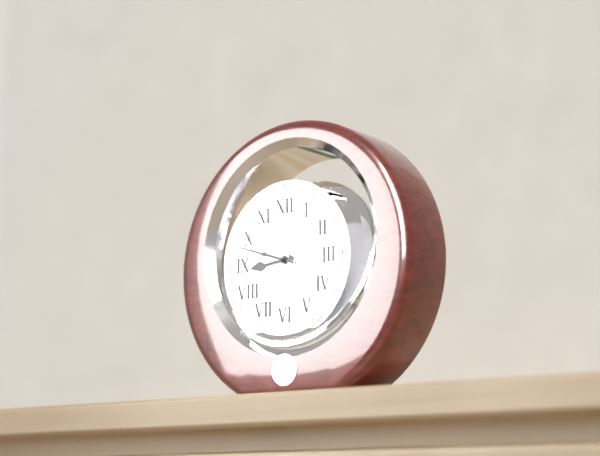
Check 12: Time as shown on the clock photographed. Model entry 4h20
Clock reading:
8h48
